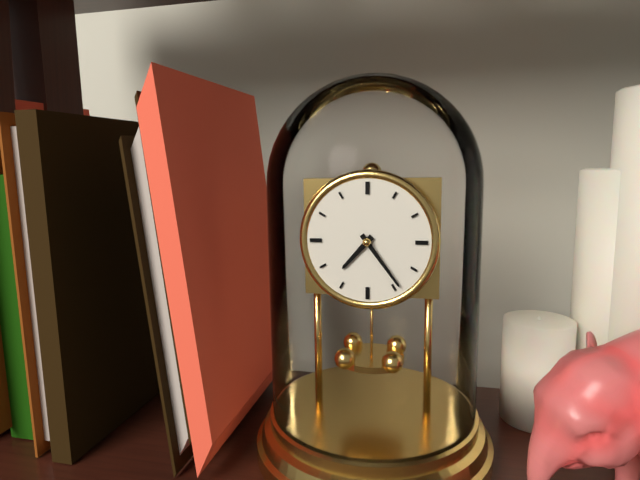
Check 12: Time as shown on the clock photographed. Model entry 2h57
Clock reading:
7h24
